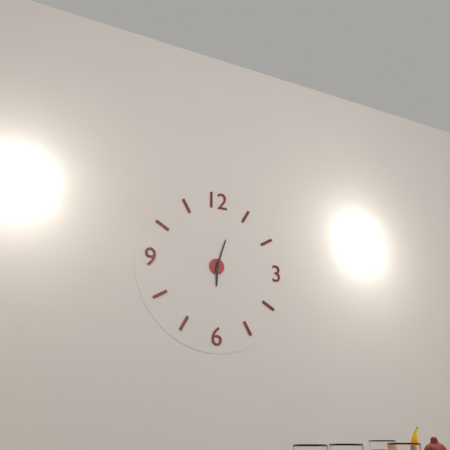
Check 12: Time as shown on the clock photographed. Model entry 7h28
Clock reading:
6h03
